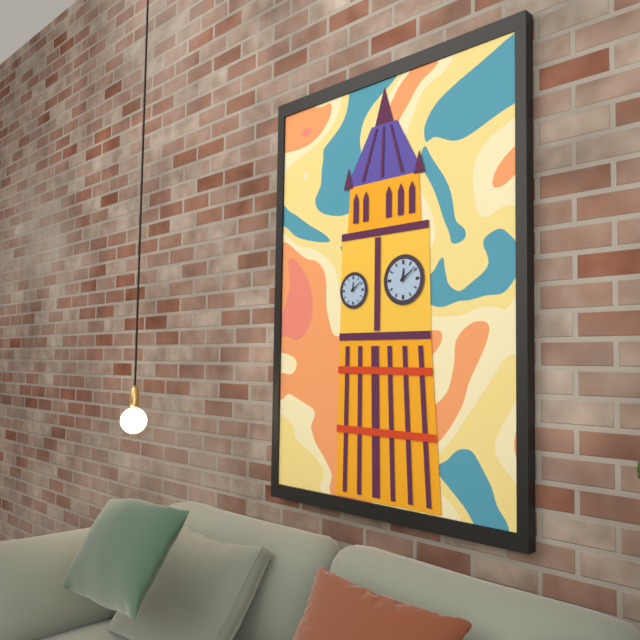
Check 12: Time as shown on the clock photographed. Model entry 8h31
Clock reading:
12h09
